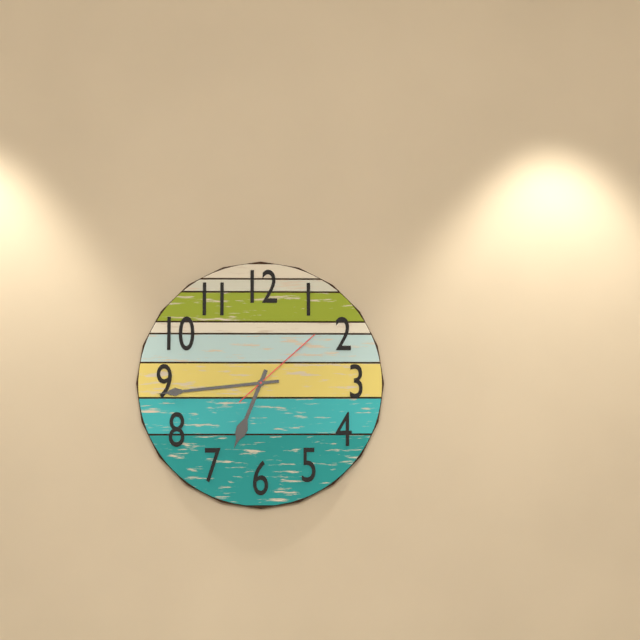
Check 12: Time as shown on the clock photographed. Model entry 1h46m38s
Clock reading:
6h44m08s
